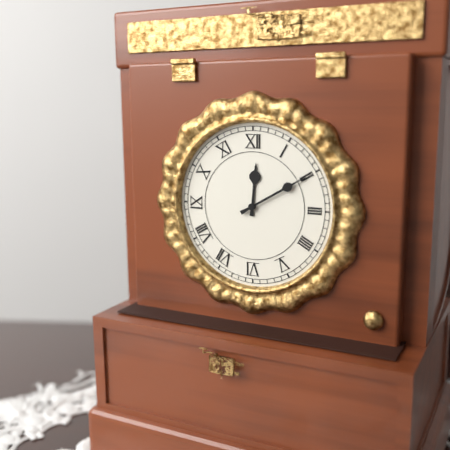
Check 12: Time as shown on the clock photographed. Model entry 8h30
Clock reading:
12h10
